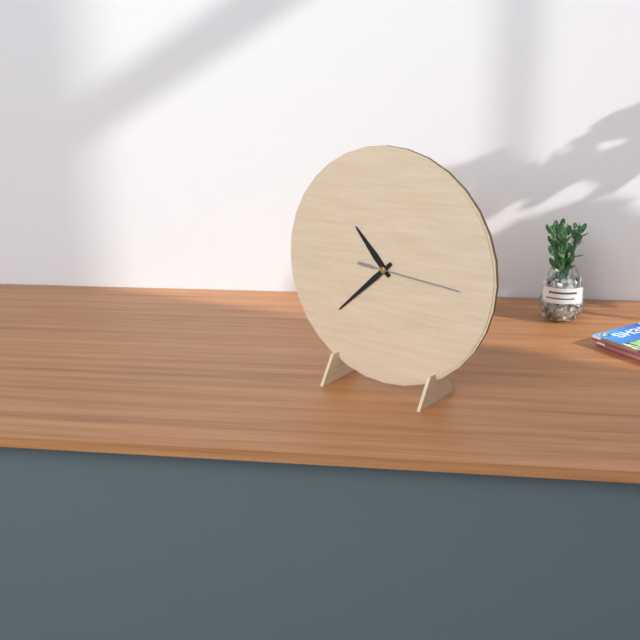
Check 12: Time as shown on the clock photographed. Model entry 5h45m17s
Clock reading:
10h38m16s
